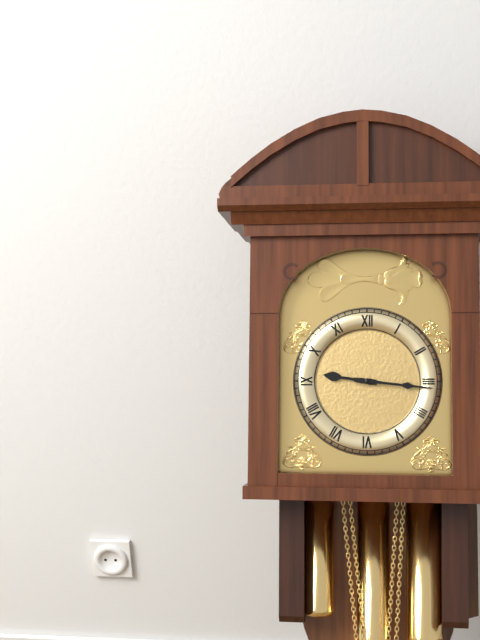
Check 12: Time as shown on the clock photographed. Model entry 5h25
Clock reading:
9h16
